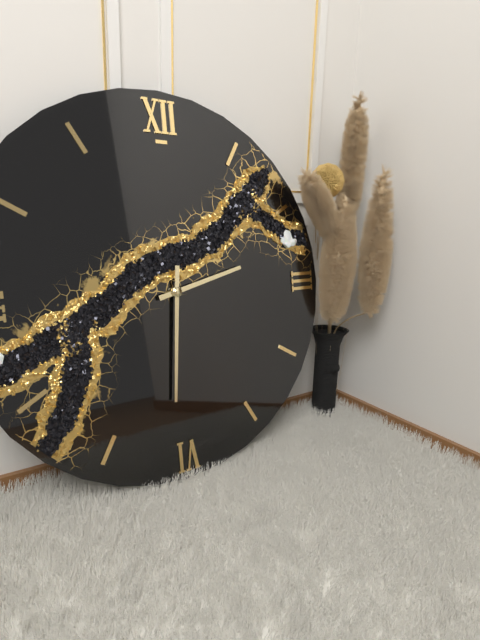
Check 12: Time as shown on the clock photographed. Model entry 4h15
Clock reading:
2h31
